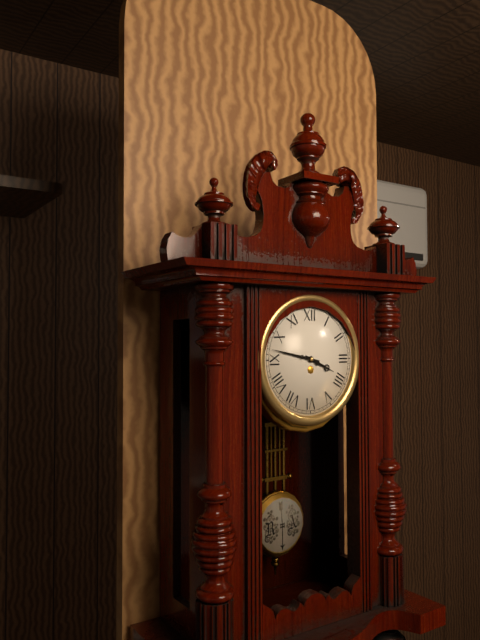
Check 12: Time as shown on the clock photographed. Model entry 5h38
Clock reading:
3h47
